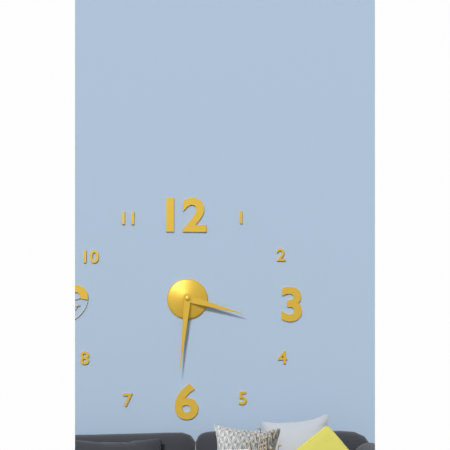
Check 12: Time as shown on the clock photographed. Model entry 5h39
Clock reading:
3h31
